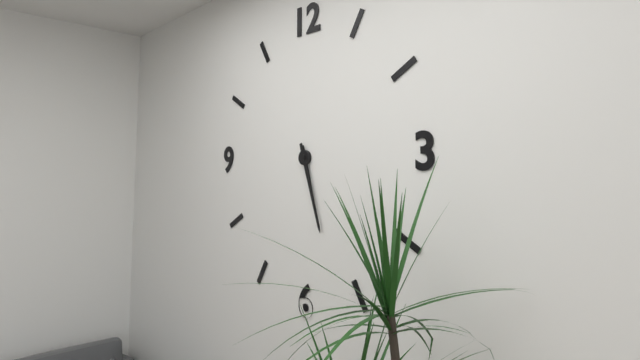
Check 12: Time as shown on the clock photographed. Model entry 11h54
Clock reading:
5h27
